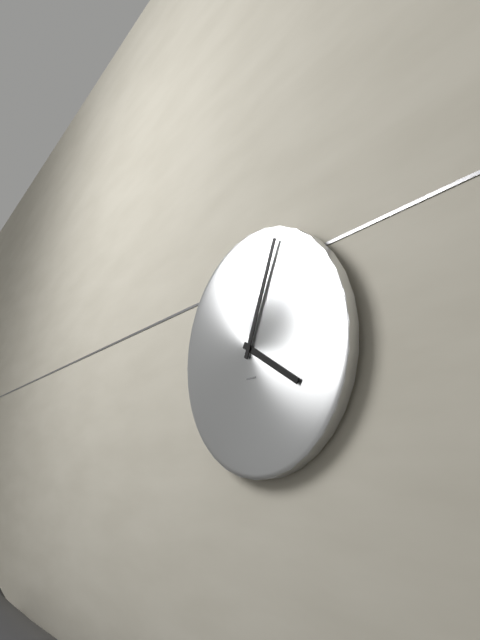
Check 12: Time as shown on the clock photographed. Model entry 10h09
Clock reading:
4h04
